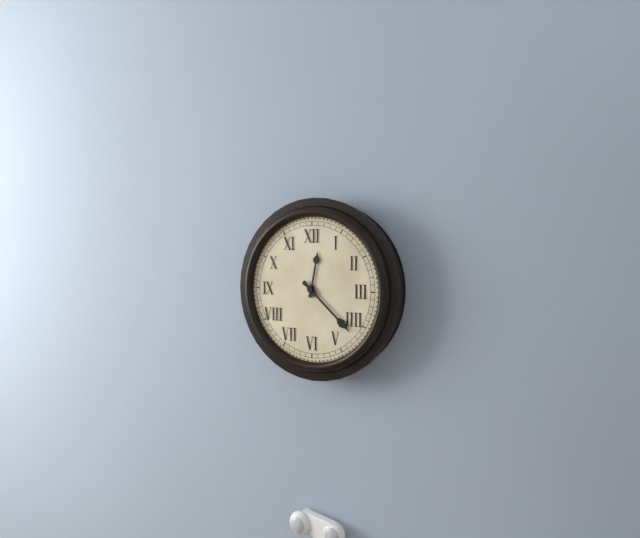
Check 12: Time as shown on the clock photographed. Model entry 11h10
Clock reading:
12h22
